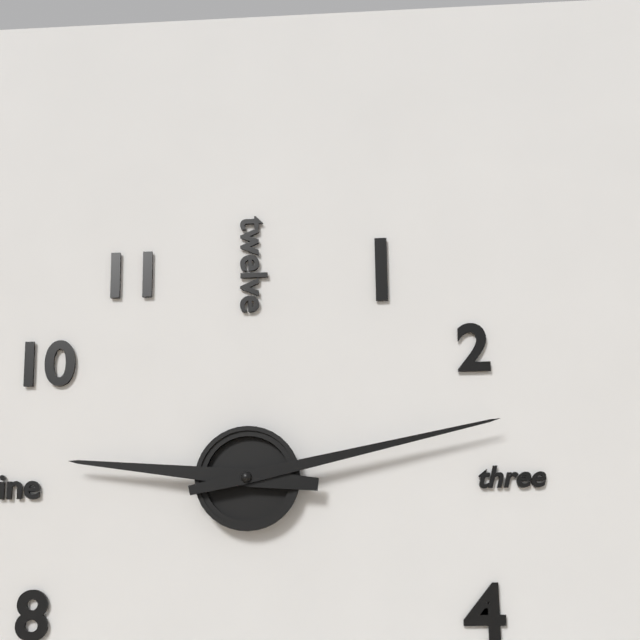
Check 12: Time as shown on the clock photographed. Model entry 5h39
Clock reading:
9h13
